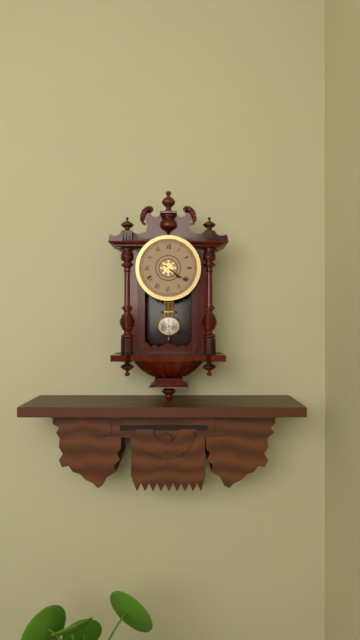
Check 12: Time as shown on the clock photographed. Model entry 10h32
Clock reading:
4h21
